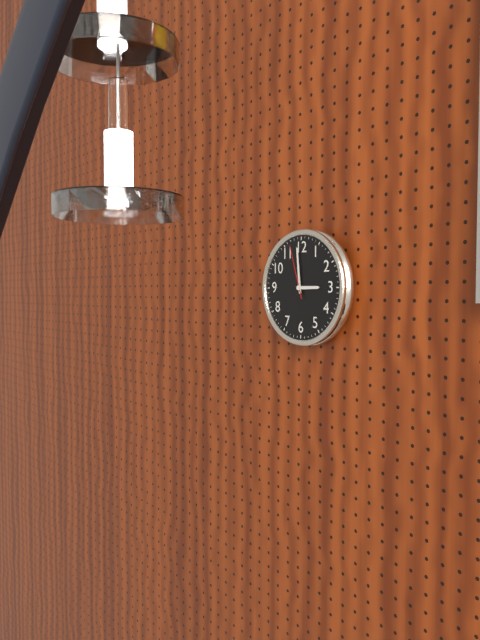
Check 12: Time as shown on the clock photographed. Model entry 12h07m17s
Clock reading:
2h59m57s
